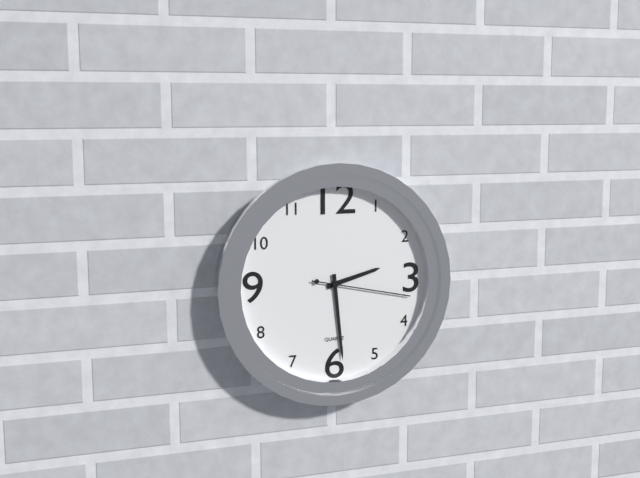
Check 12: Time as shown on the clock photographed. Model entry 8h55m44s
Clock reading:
2h29m17s
